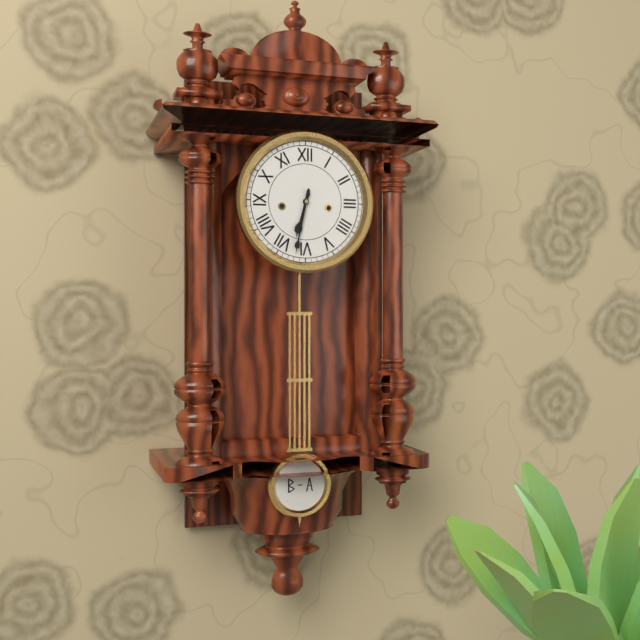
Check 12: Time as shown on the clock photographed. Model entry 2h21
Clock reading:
6h32
